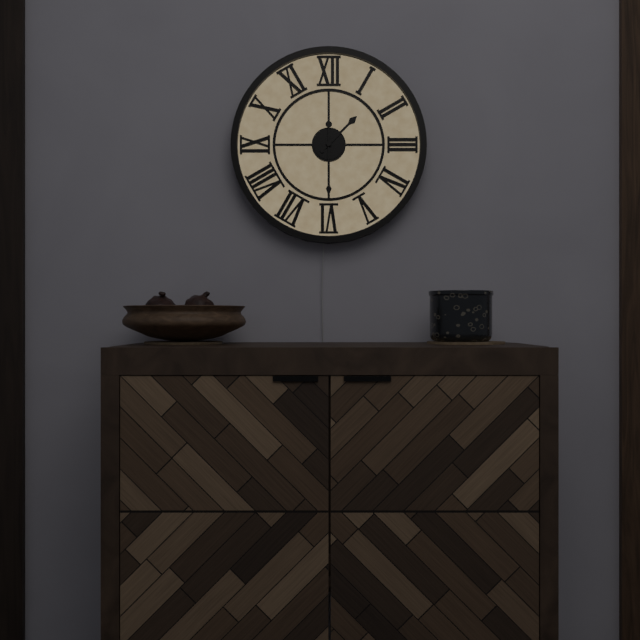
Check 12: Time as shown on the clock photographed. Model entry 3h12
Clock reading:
1h30
